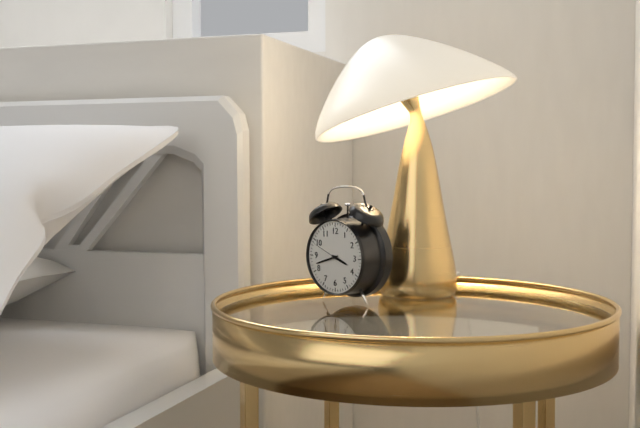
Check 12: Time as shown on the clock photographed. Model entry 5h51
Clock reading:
3h42
